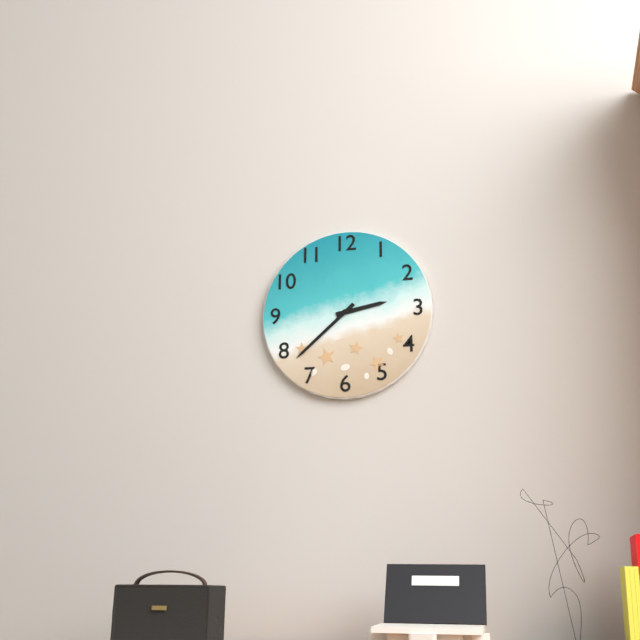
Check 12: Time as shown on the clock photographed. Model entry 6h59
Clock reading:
2h38
